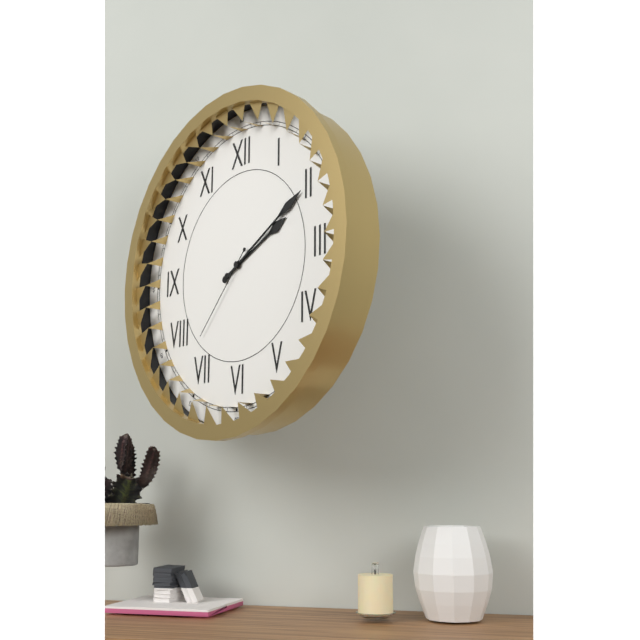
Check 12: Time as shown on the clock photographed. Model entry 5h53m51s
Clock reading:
2h10m37s
